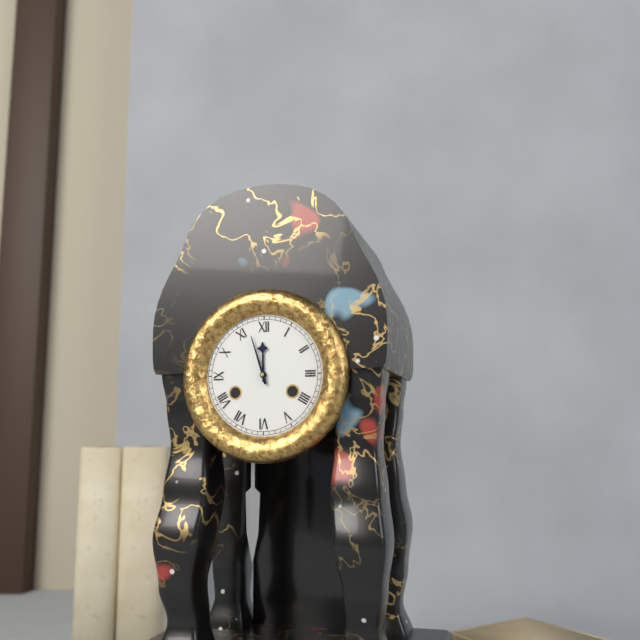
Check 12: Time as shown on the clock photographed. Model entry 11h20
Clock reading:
11h57
